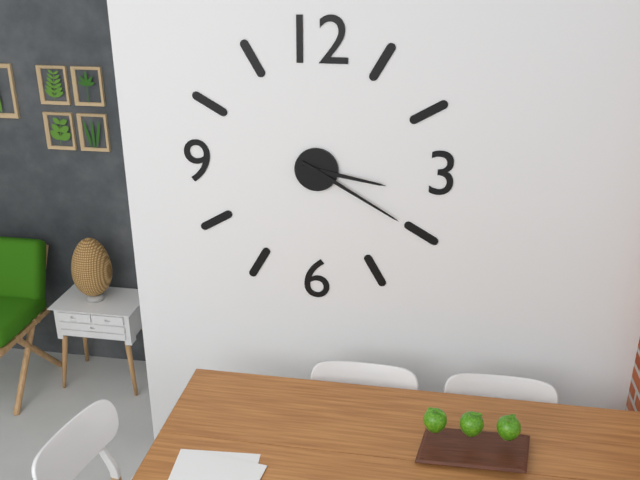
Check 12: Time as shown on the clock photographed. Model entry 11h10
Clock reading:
3h20
